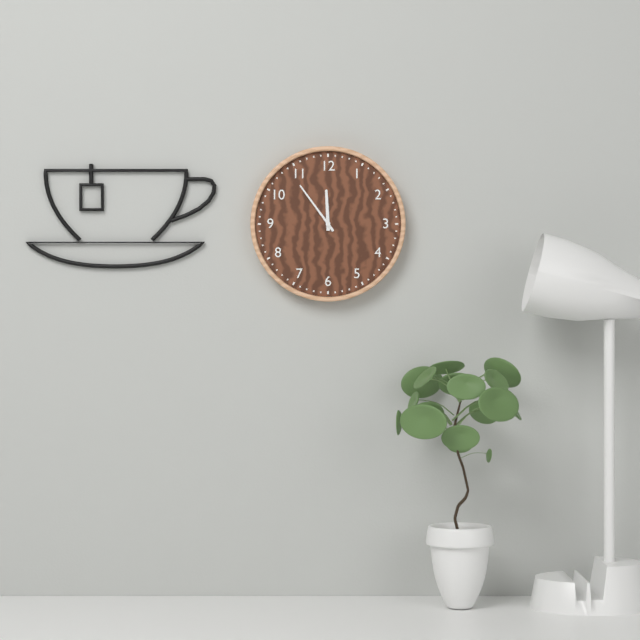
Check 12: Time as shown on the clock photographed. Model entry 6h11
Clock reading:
11h54
